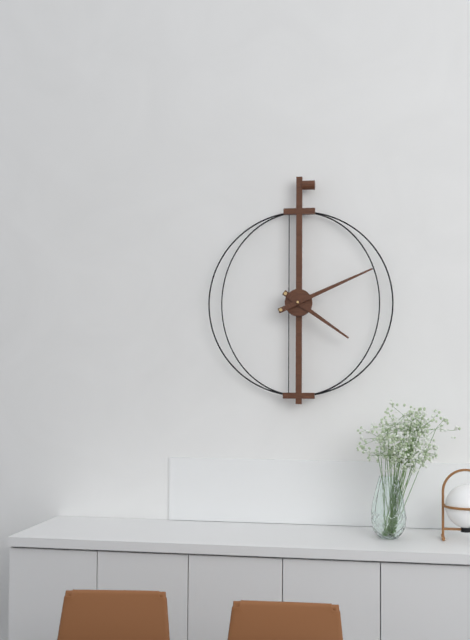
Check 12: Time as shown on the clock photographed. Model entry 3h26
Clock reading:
4h11
